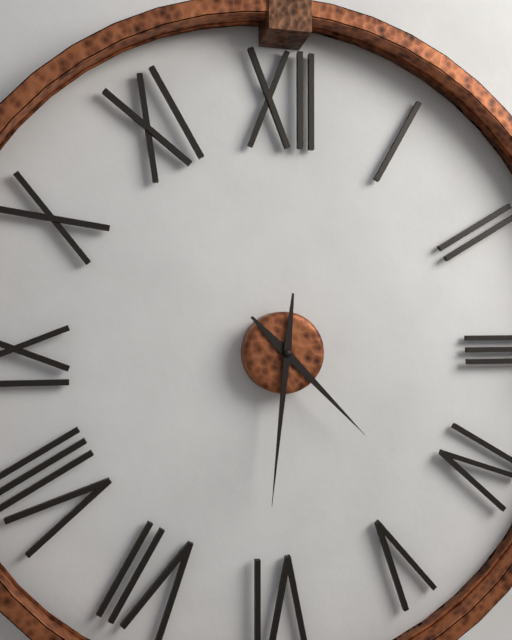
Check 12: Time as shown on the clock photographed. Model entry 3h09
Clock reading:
4h31
